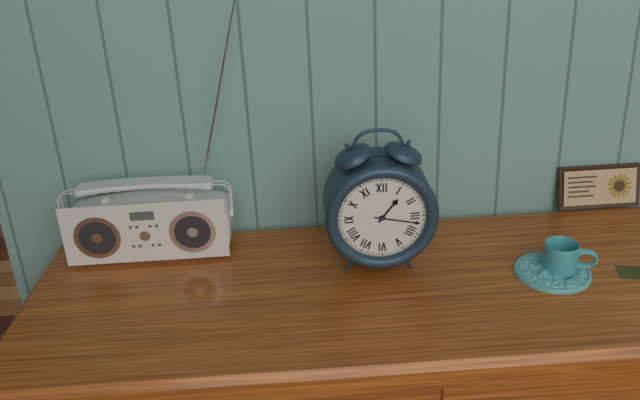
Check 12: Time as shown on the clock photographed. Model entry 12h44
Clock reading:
1h17
